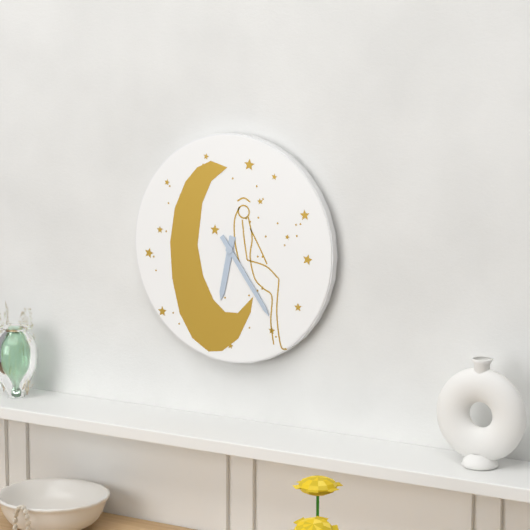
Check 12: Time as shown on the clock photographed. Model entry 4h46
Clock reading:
6h24
